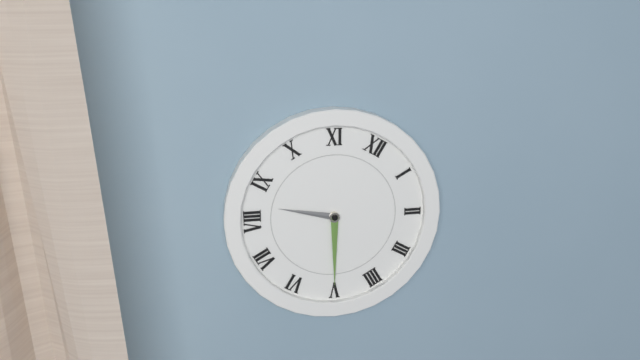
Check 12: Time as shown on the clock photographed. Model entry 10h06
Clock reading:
8h25
